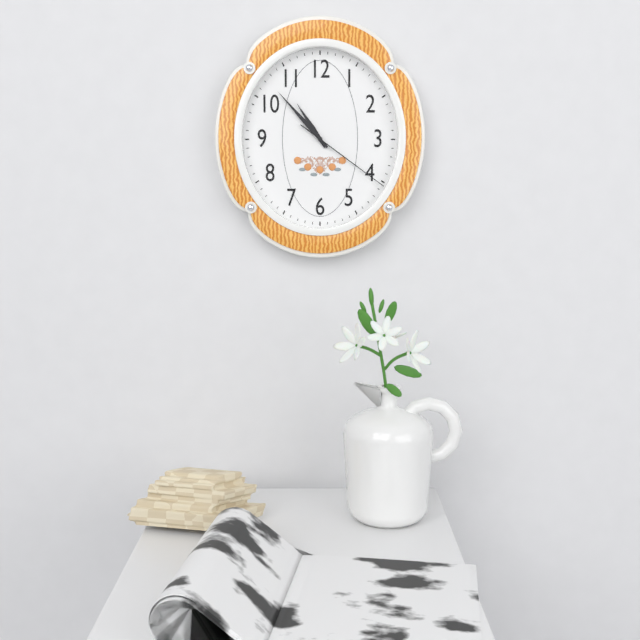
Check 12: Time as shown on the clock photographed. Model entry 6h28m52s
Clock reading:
10h53m21s
